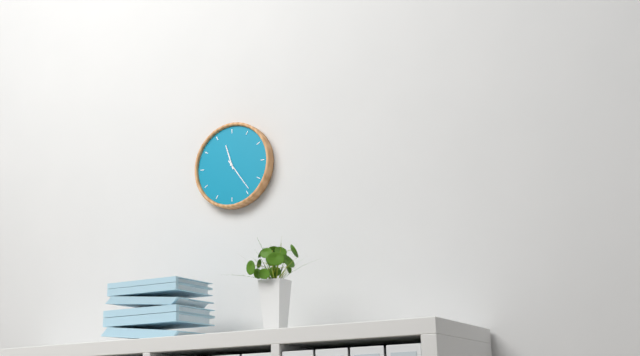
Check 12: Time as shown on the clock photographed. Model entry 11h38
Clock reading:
11h24
